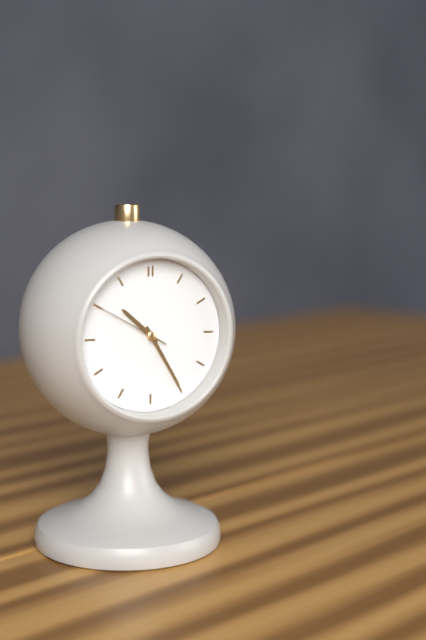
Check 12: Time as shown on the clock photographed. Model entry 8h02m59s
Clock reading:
10h25m50s
